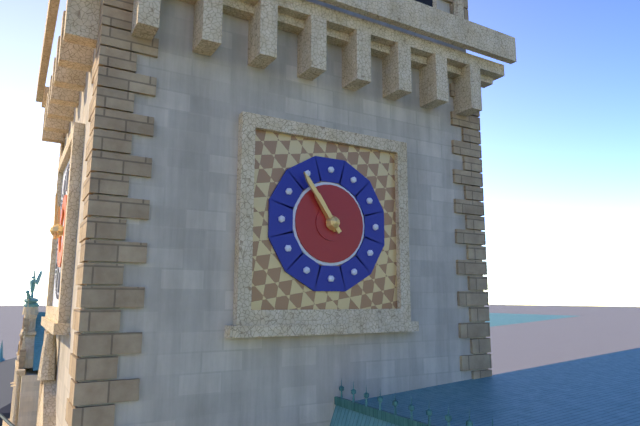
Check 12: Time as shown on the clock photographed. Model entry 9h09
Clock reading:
10h54
